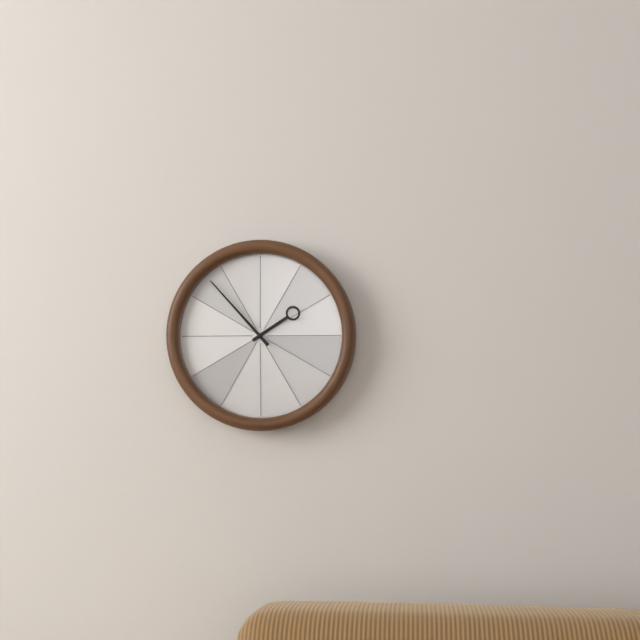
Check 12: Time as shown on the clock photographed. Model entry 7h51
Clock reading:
1h53
